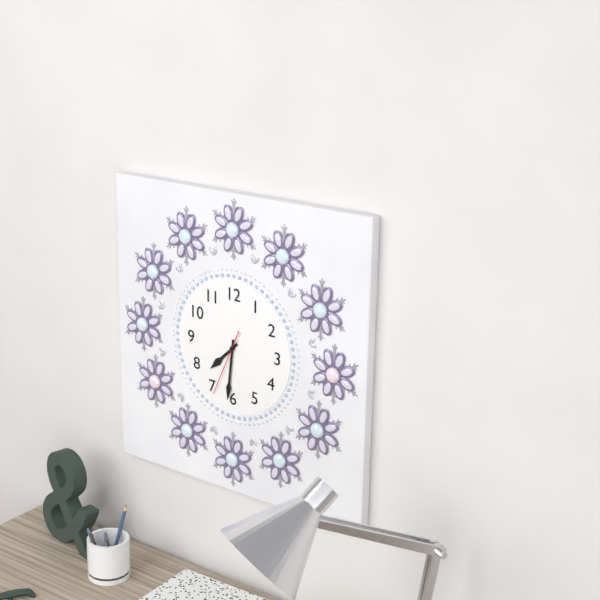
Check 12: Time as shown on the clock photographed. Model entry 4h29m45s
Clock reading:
7h31m34s
